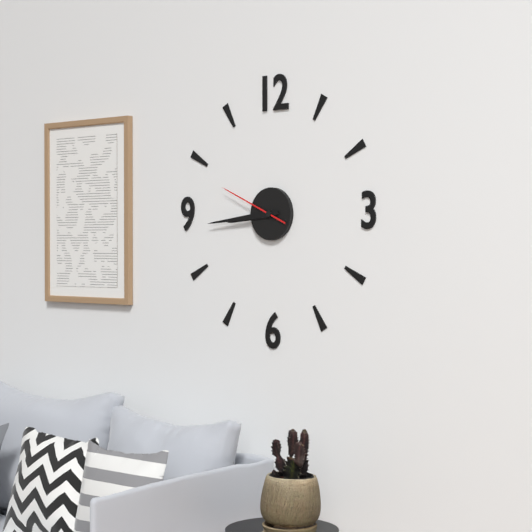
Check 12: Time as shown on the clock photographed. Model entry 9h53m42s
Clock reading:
8h44m49s
